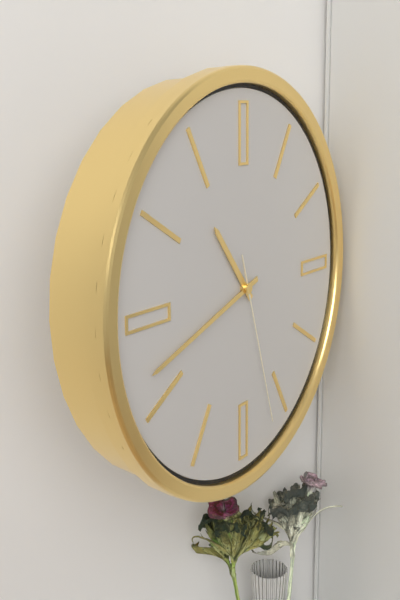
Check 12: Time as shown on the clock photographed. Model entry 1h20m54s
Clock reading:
10h42m27s
